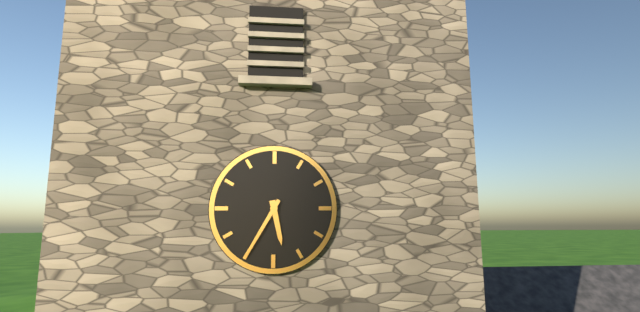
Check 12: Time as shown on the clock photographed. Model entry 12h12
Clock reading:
5h35
